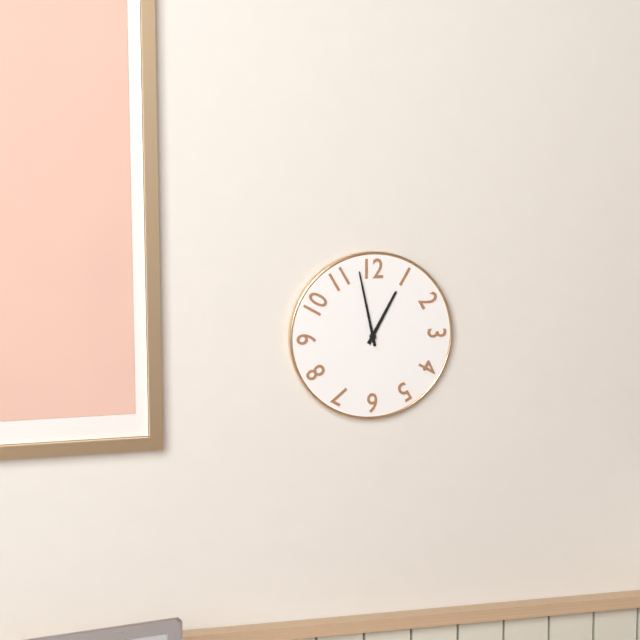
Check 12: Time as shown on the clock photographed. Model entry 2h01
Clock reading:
12h58
